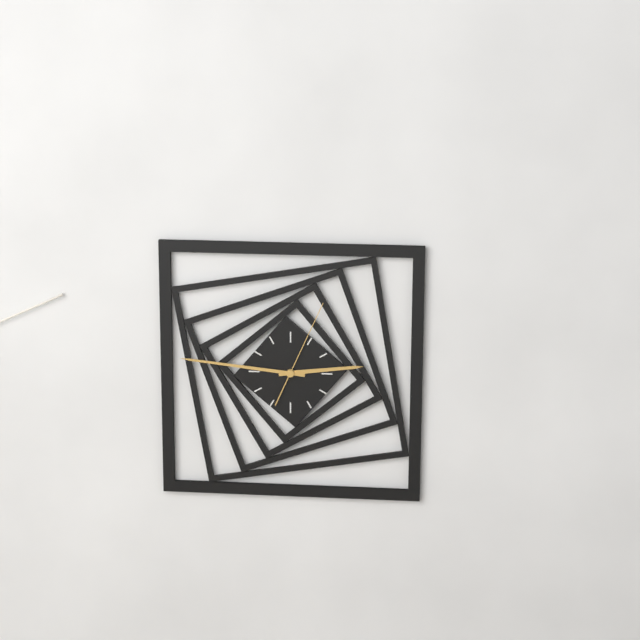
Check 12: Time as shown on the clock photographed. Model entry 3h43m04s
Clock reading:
2h46m04s
